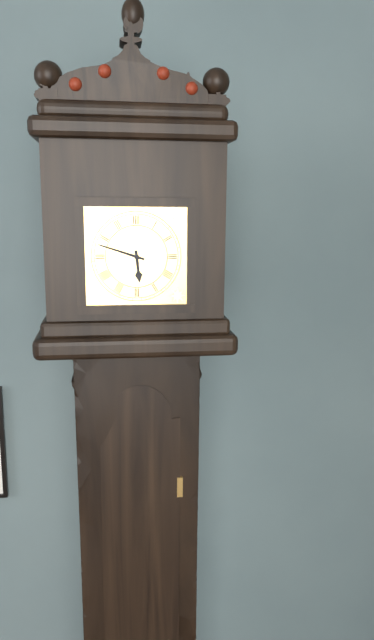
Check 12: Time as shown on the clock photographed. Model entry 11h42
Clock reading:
5h48
